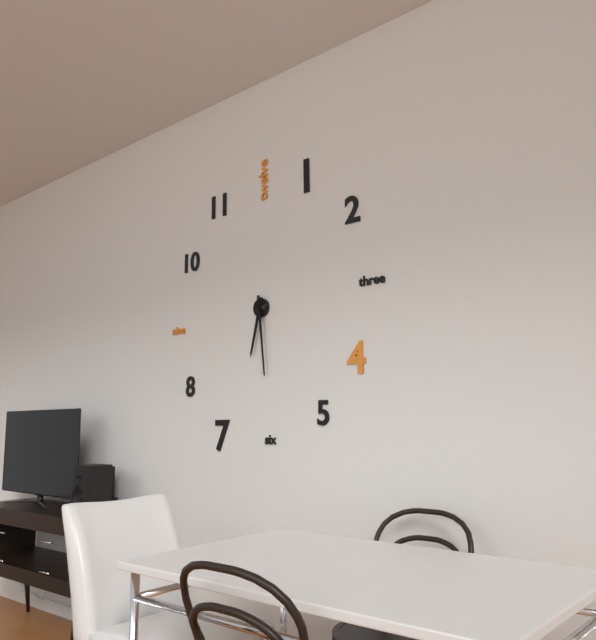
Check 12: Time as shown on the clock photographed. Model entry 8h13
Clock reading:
6h29
